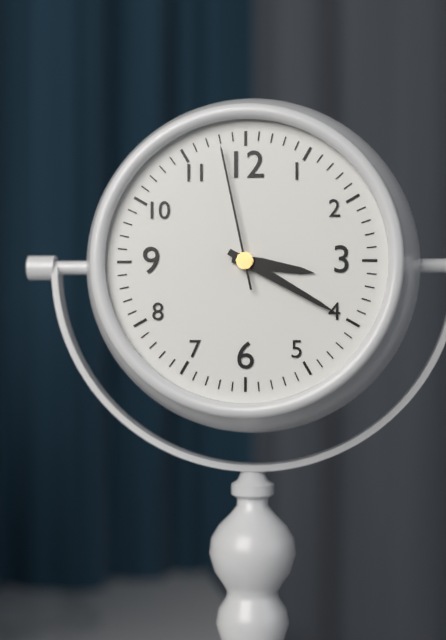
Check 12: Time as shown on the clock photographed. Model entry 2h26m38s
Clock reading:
3h20m58s
